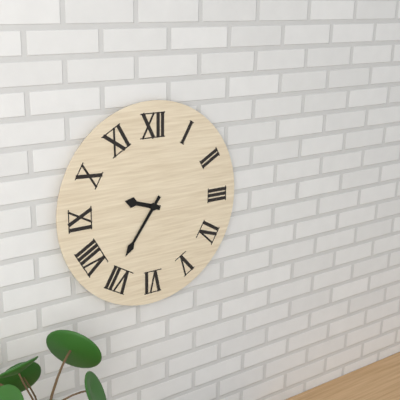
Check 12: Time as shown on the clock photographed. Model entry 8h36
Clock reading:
9h36
